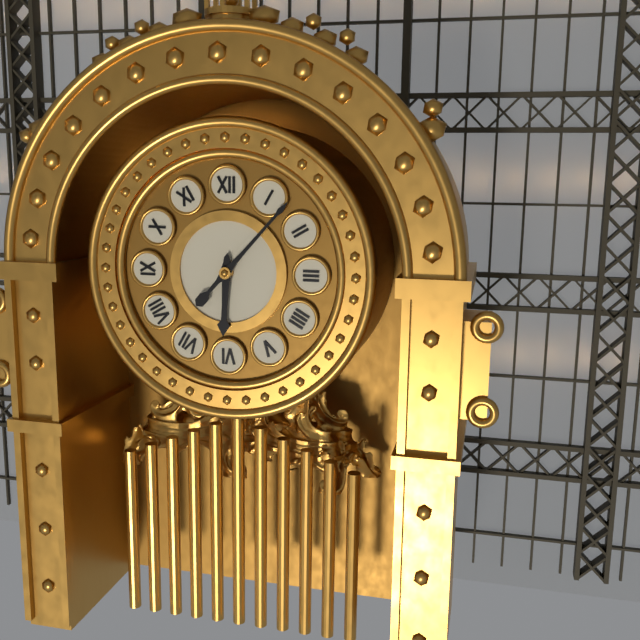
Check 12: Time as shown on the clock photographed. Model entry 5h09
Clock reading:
6h07
